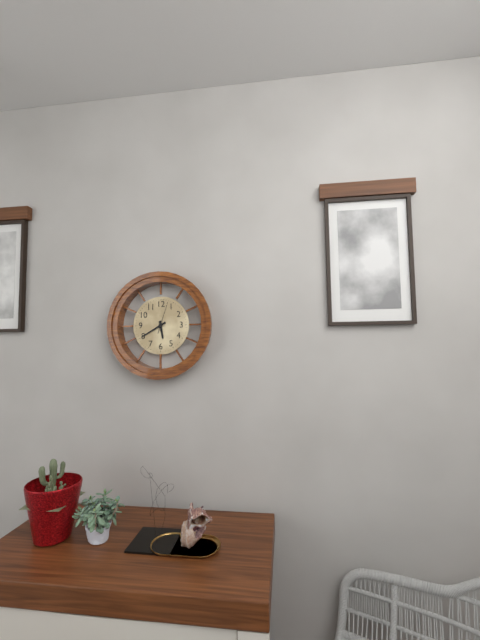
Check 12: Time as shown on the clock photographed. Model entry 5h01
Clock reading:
5h40
